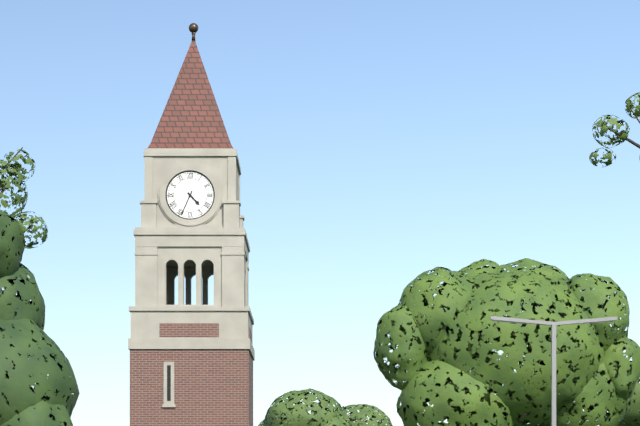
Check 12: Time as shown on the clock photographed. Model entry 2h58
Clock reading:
4h34
